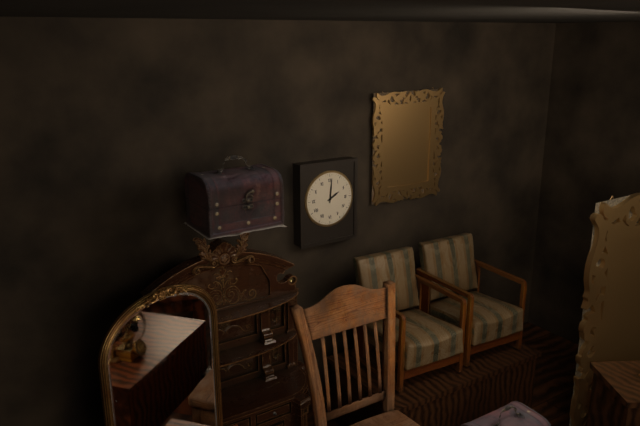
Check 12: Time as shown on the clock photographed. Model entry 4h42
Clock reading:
2h01
